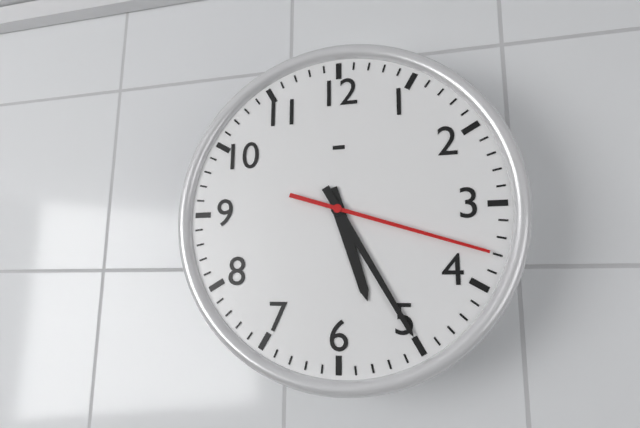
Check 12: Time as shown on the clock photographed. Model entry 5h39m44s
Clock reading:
5h25m18s
